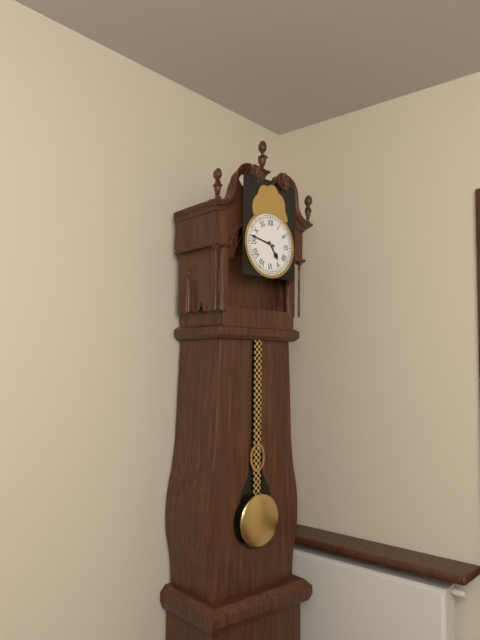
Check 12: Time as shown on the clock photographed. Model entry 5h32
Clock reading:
4h47
